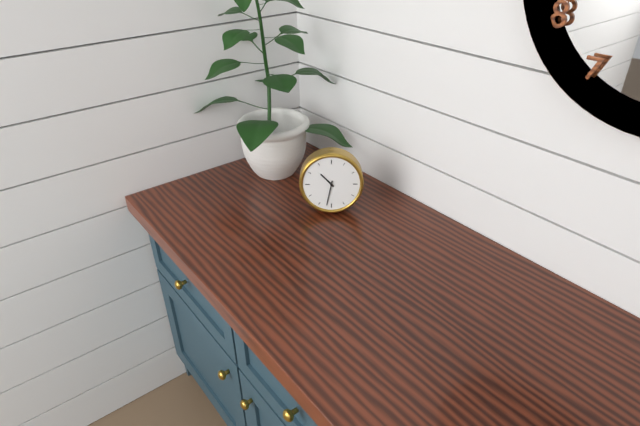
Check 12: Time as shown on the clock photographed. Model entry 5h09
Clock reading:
10h32
